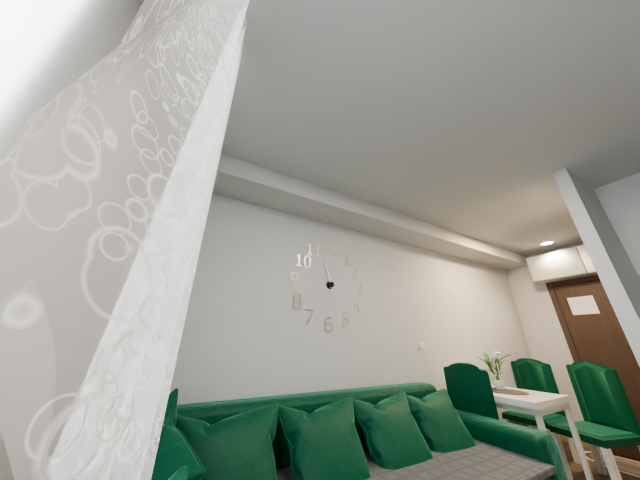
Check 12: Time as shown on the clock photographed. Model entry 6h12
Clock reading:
11h28
